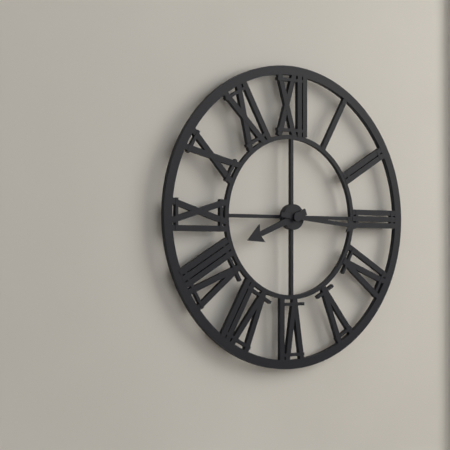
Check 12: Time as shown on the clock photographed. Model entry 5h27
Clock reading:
8h16
